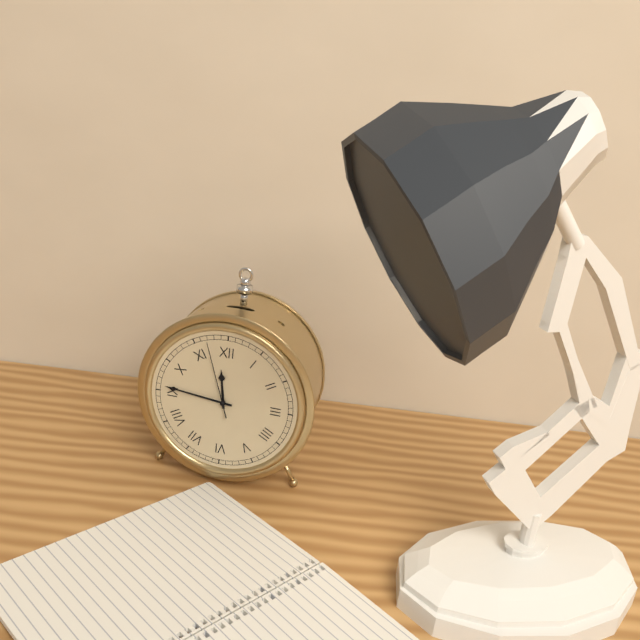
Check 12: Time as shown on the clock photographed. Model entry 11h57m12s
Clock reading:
11h46m57s
